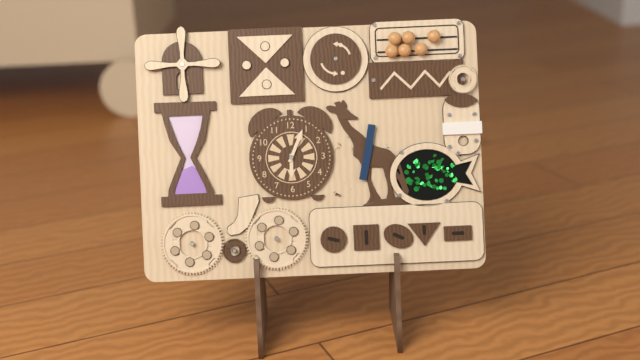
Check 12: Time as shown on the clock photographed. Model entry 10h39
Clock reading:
6h04
